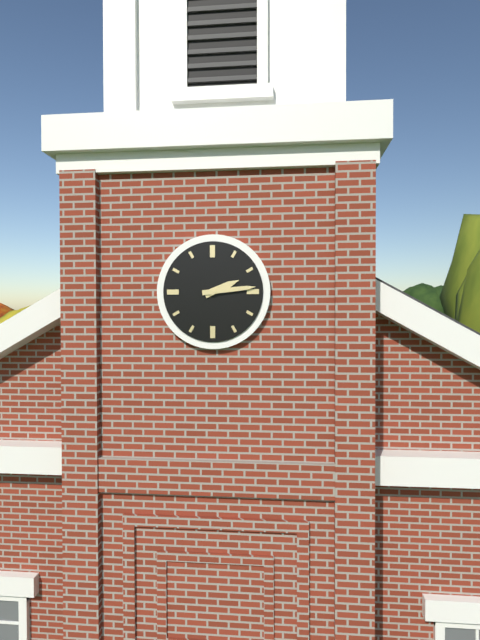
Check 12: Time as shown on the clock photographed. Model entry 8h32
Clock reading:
2h14
